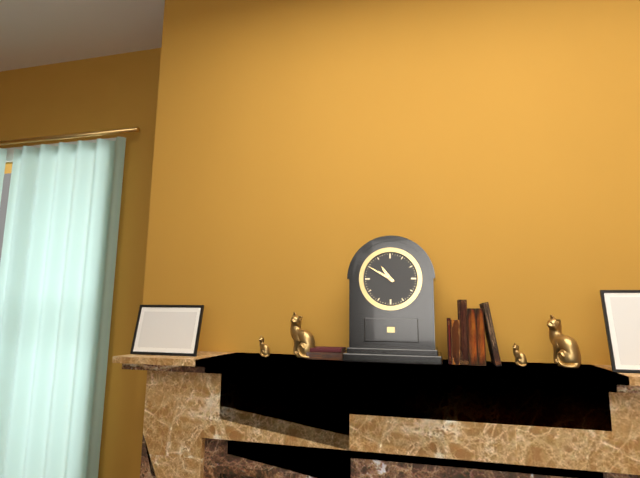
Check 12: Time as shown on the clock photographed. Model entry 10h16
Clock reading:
10h50
